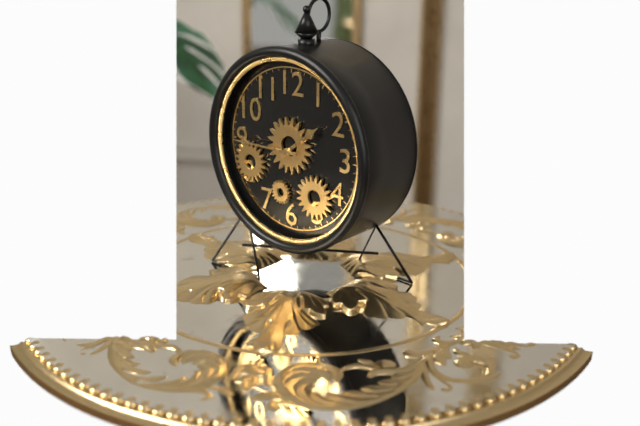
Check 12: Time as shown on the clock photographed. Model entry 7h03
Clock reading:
1h45
